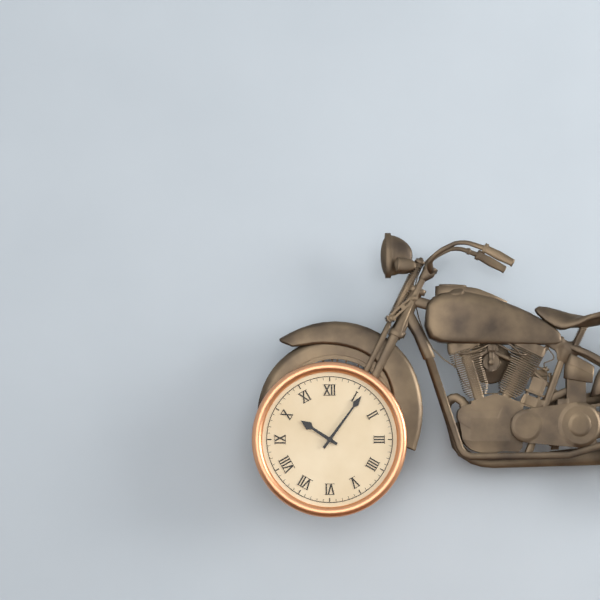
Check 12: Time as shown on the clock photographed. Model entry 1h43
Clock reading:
10h06
